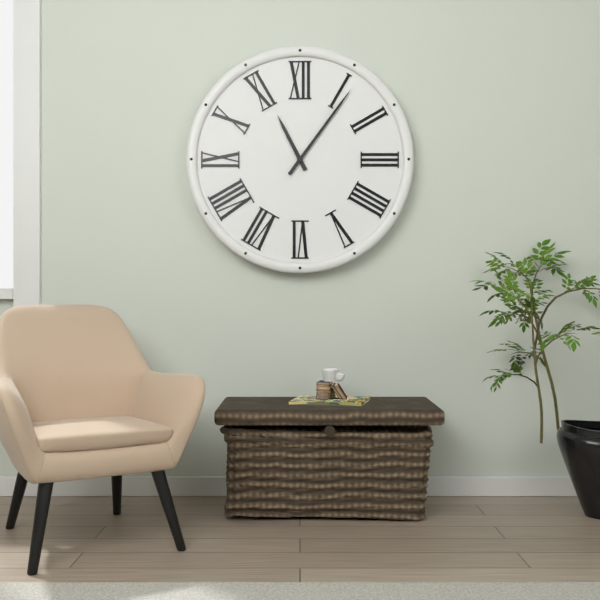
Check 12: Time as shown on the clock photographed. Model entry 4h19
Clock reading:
11h06
